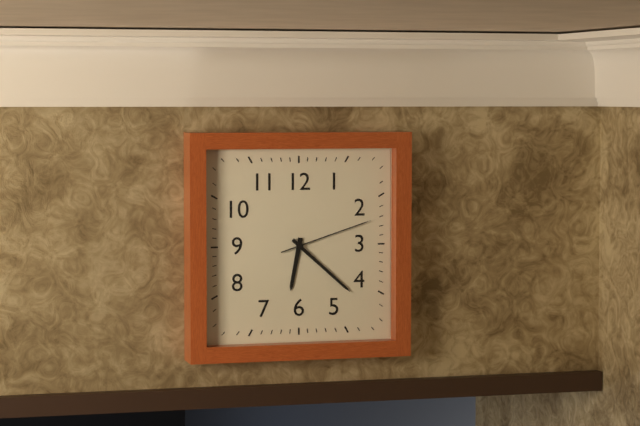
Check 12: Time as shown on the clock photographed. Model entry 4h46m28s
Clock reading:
6h22m12s
